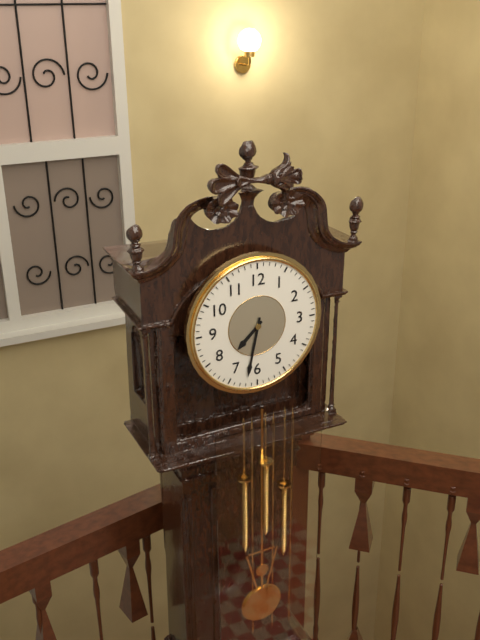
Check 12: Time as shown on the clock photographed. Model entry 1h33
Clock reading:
7h32
